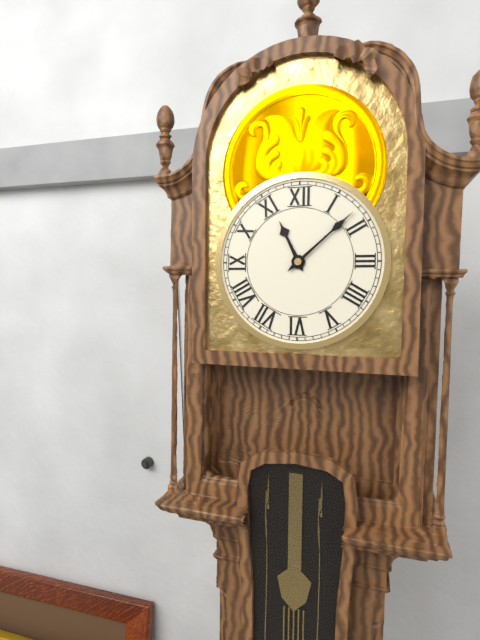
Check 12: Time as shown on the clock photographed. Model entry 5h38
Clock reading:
11h08
